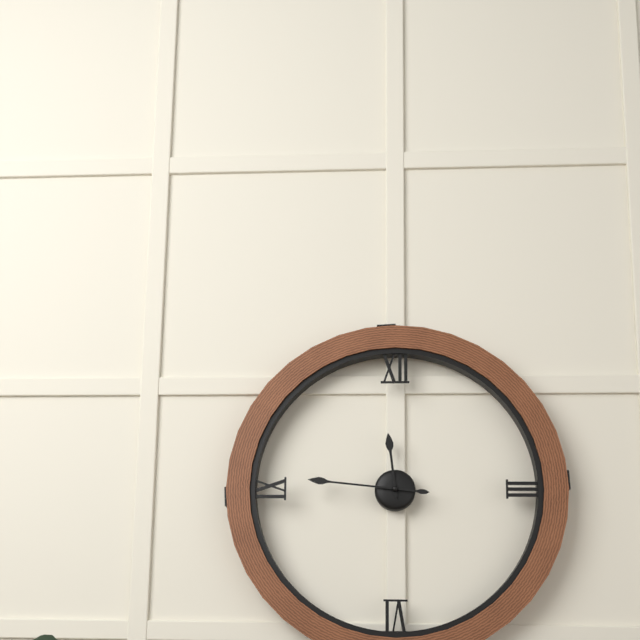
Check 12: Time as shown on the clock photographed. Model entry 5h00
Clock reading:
11h46
